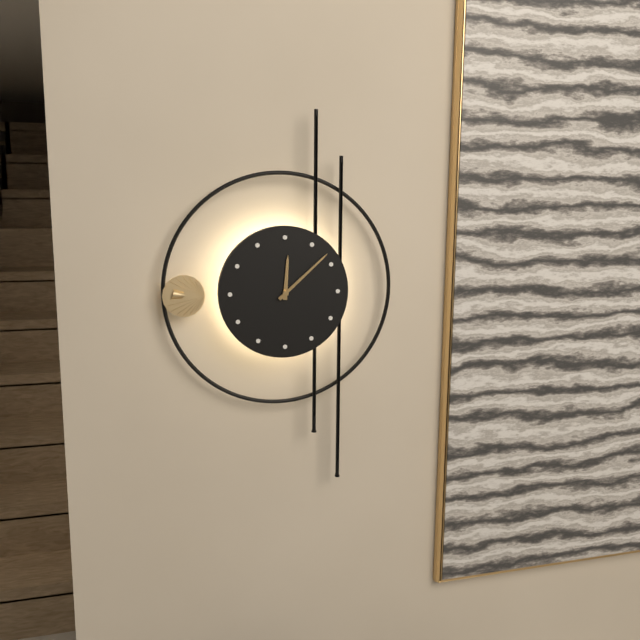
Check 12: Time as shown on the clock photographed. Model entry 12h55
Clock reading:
12h08
